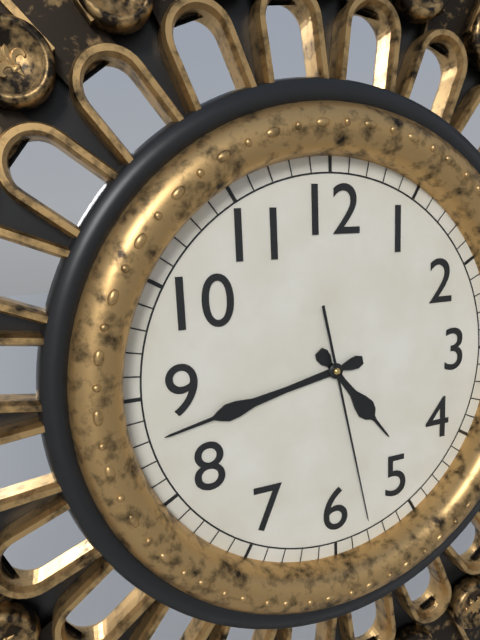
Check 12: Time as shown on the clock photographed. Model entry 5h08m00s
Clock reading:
4h43m28s
